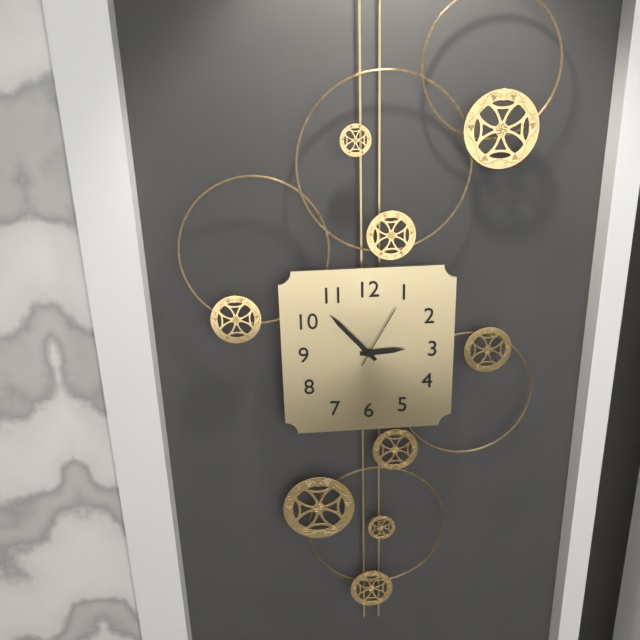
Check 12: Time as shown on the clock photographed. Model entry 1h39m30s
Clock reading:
2h53m05s
